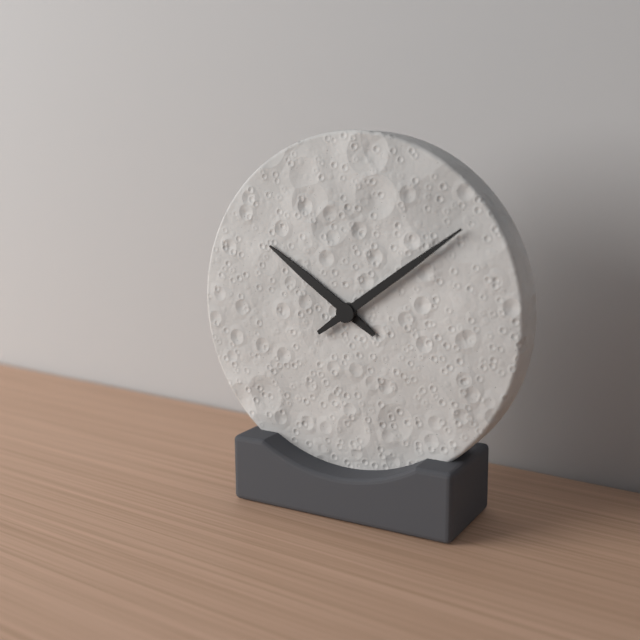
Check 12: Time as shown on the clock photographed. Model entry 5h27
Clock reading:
10h09
